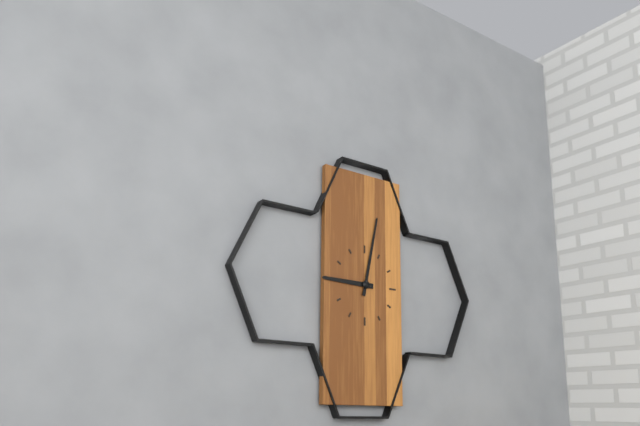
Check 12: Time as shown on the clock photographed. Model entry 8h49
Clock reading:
9h02
